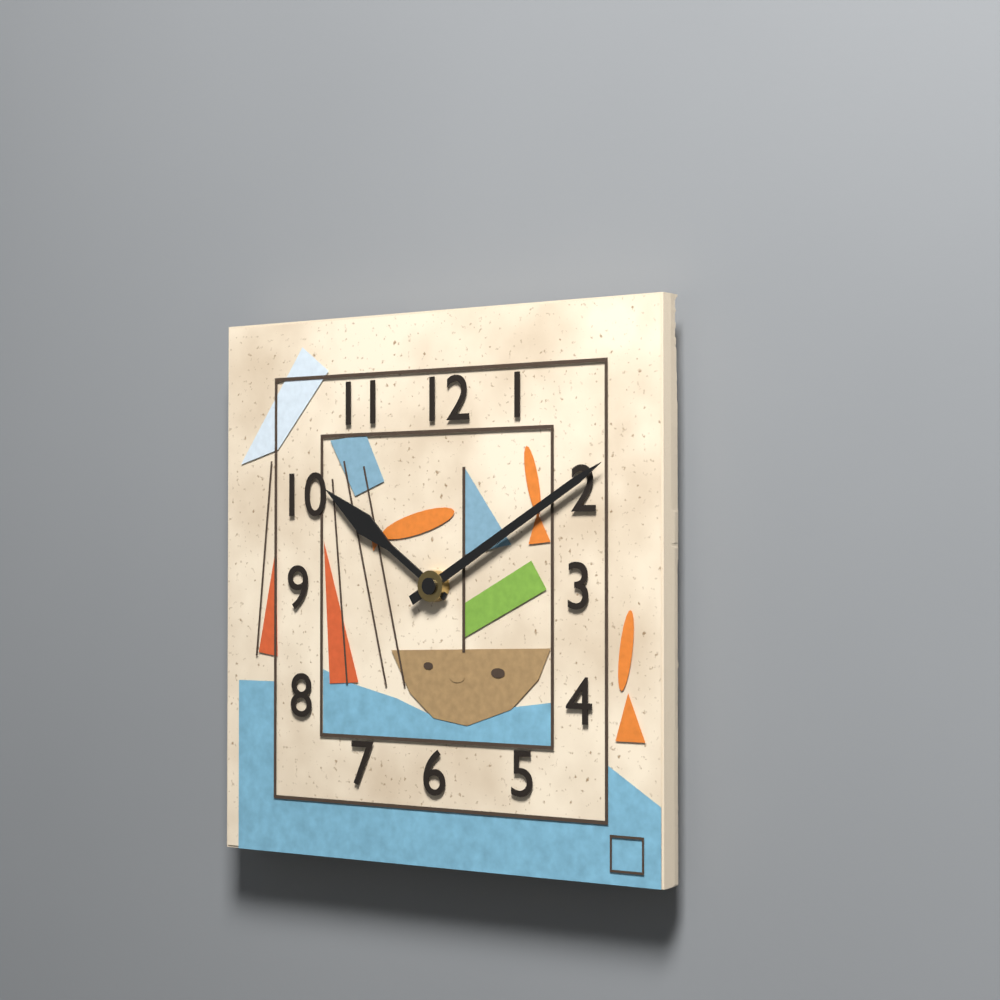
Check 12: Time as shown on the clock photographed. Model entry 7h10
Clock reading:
10h10
